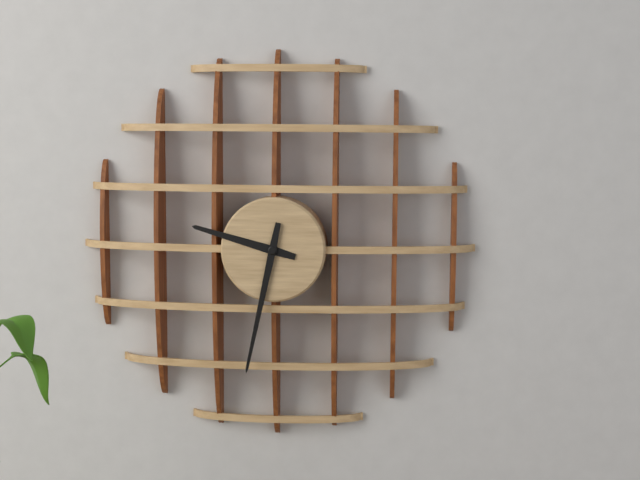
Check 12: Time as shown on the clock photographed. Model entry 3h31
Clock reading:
9h32
